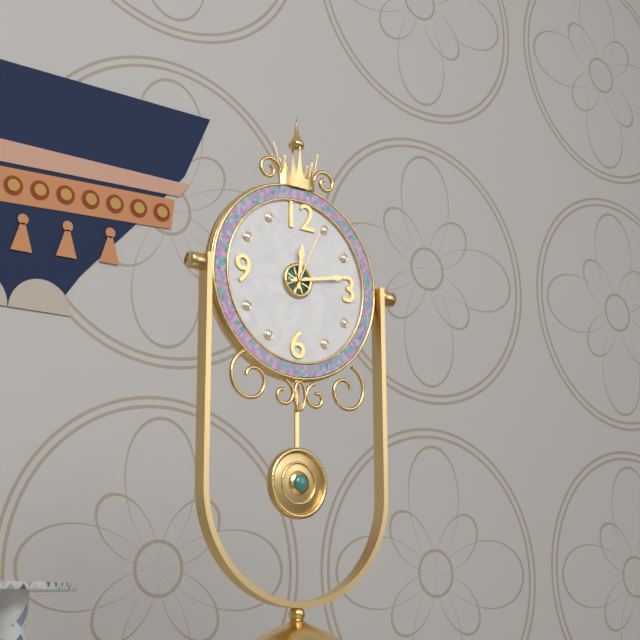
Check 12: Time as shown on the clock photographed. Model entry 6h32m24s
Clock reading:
12h13m04s
